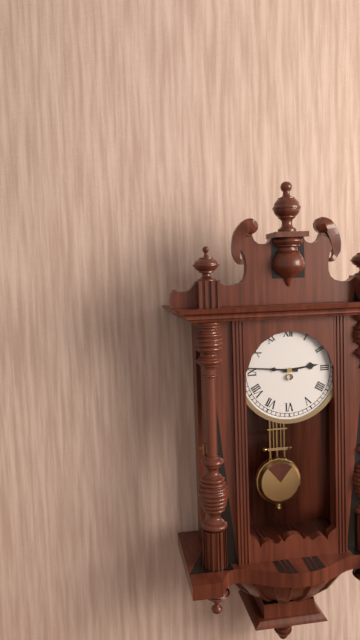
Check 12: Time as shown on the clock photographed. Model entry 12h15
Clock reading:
2h46
